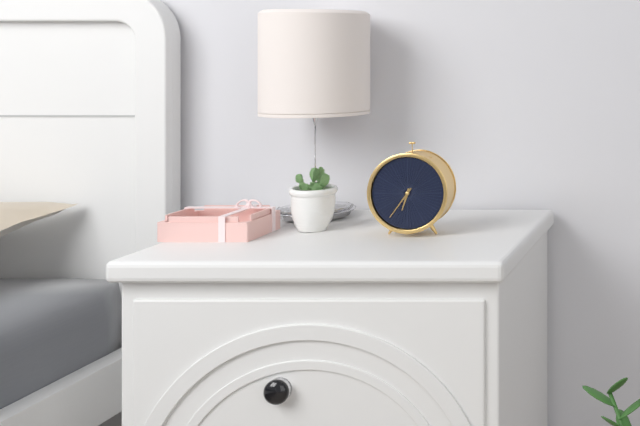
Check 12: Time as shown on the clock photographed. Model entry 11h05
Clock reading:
6h36
